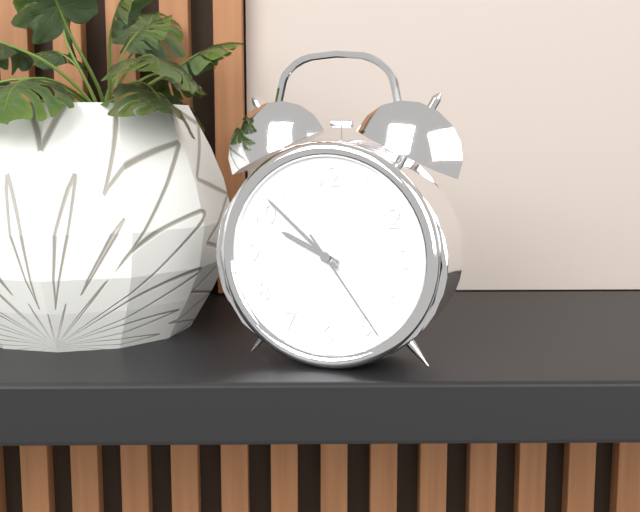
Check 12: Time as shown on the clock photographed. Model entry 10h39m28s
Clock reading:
9h52m24s
